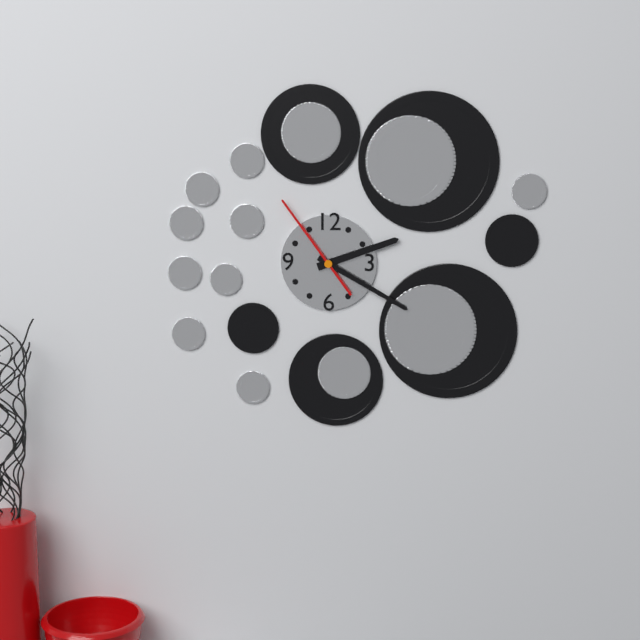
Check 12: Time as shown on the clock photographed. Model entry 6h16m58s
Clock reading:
2h20m54s
